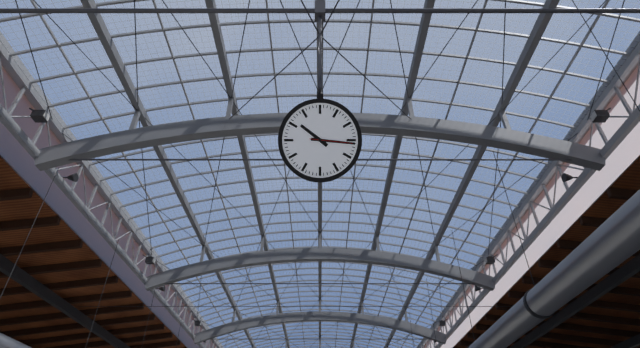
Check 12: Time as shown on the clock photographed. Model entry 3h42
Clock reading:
10h16
